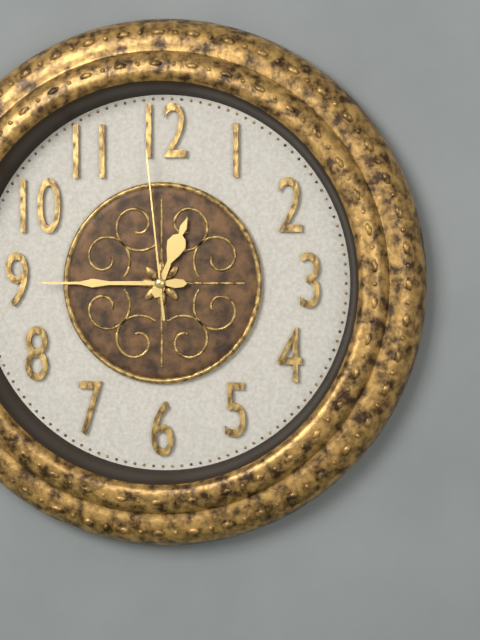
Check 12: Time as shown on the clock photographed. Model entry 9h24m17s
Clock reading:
12h45m59s
